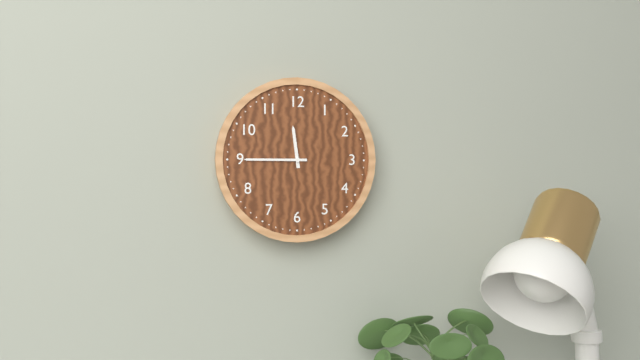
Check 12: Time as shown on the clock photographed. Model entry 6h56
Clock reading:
11h45
